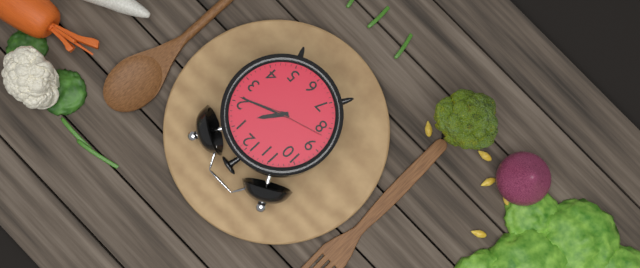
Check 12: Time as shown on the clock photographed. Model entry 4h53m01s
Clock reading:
1h11m42s
